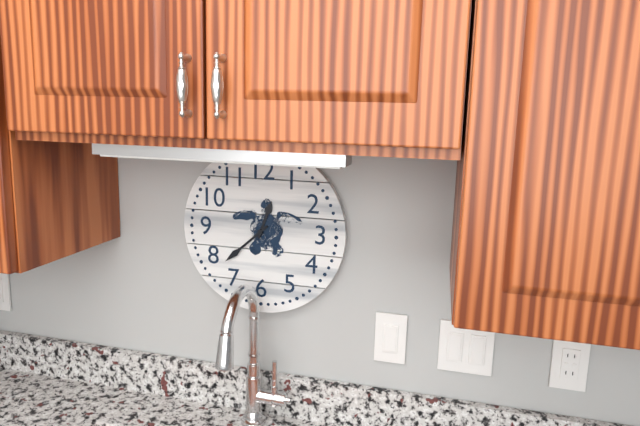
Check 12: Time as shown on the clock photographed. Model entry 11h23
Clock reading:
12h38
